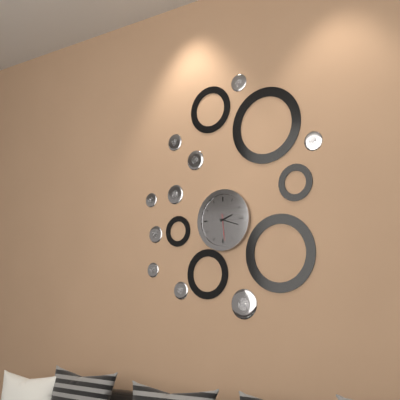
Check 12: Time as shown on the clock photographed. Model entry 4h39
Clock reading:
2h18
